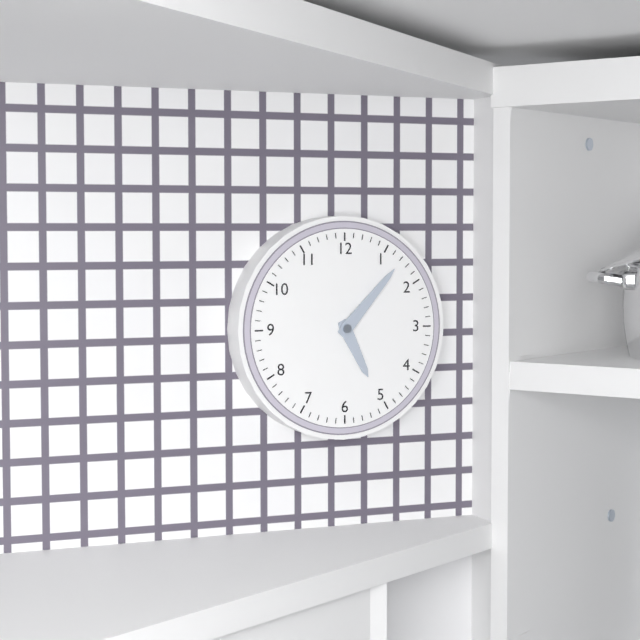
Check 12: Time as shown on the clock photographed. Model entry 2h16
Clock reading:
5h07
